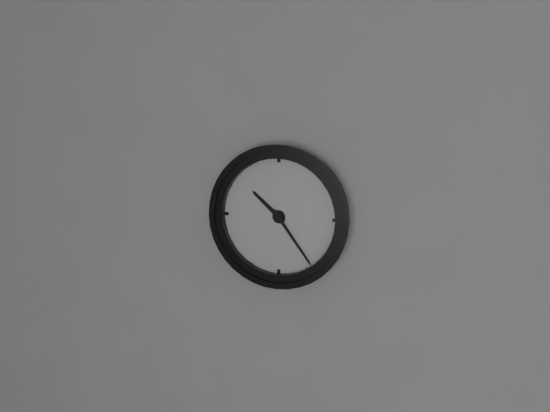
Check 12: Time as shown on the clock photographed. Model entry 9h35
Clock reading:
10h24
